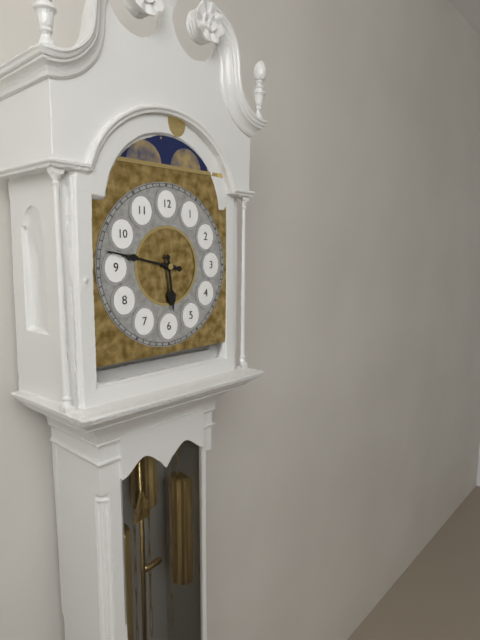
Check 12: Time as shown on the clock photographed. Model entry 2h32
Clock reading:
5h47
